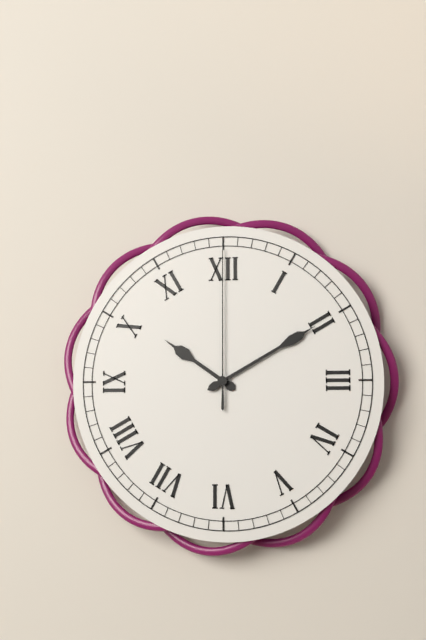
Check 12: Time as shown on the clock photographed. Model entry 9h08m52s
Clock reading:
10h10m00s
